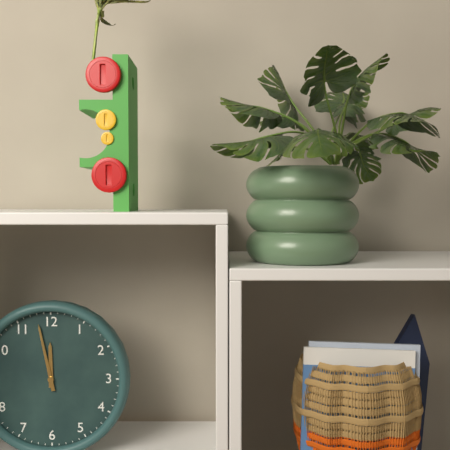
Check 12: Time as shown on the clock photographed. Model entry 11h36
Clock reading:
11h58
